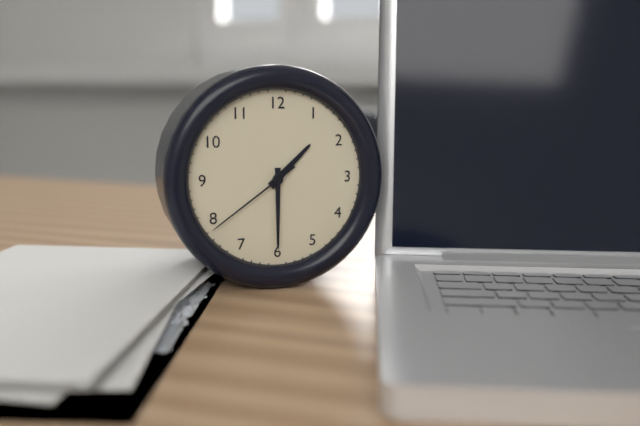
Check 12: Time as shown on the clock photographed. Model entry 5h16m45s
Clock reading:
1h30m39s
